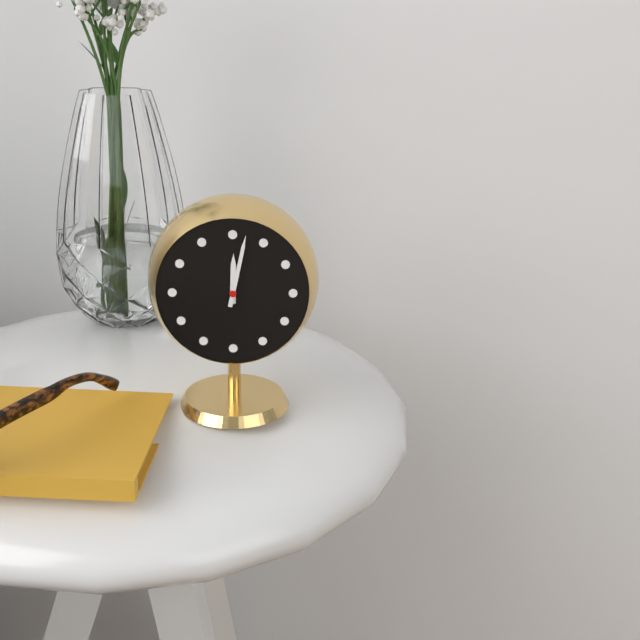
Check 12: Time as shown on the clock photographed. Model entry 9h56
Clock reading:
12h02
